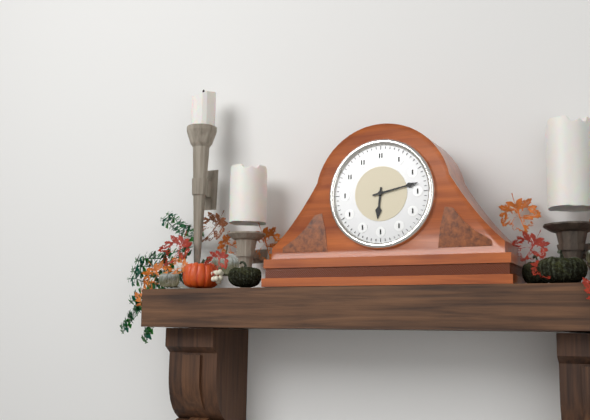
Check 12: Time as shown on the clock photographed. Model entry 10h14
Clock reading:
6h13
